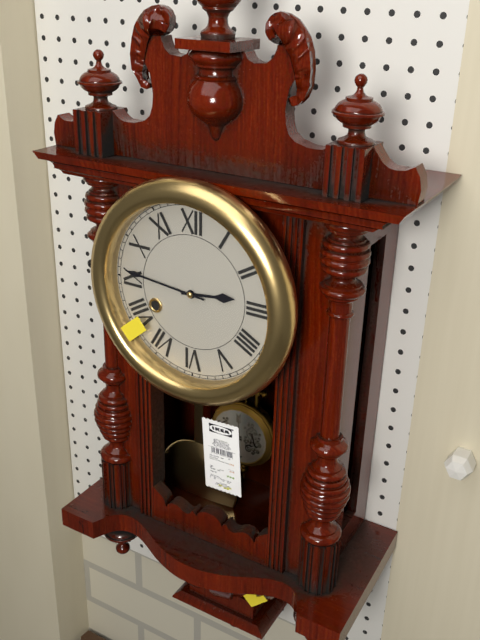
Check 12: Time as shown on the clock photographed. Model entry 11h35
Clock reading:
2h46
